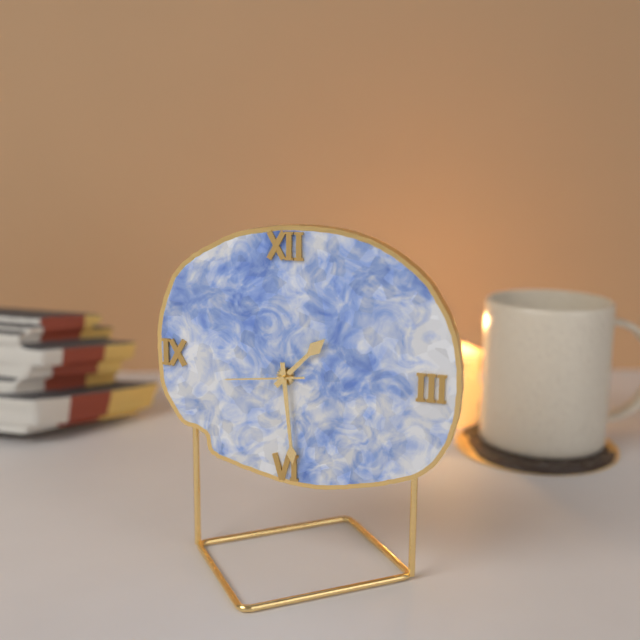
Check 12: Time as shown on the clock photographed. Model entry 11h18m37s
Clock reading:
1h29m44s
